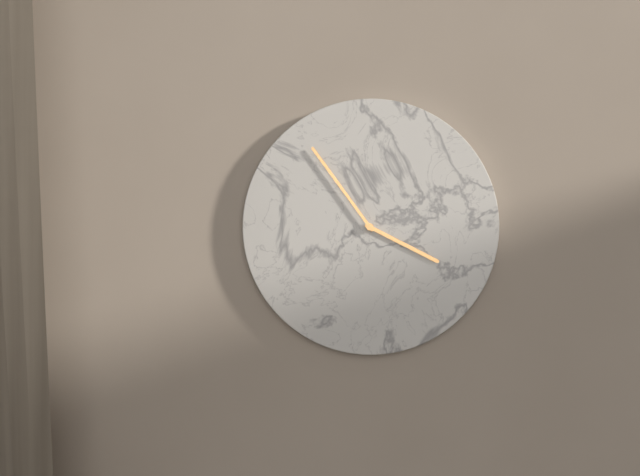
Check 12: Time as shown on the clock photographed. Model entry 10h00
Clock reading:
3h54
